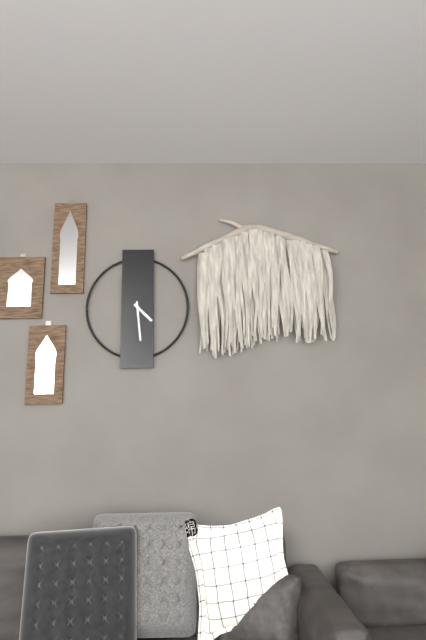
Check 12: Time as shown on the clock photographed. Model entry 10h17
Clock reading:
4h29
